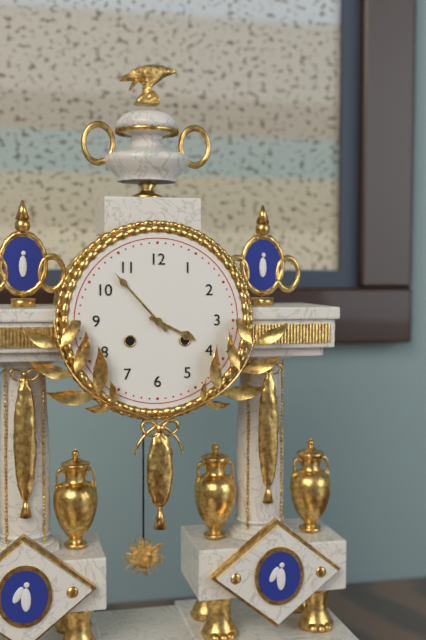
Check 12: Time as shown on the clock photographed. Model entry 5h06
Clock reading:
3h53
